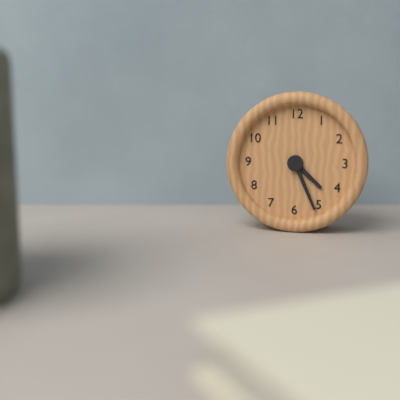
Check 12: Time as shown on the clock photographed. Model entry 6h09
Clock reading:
4h26
